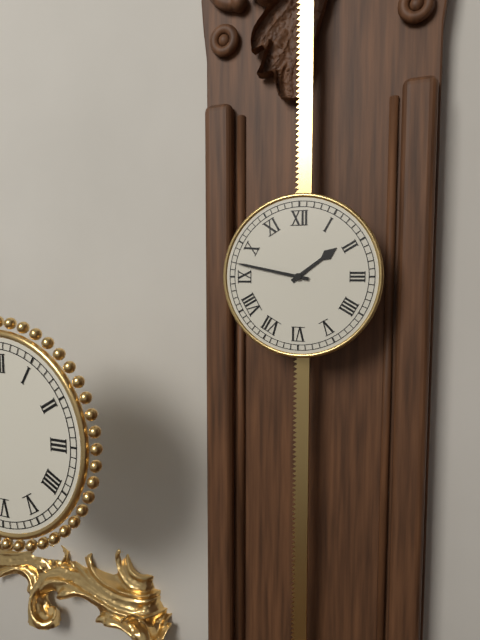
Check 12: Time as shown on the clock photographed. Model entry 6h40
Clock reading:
1h47
